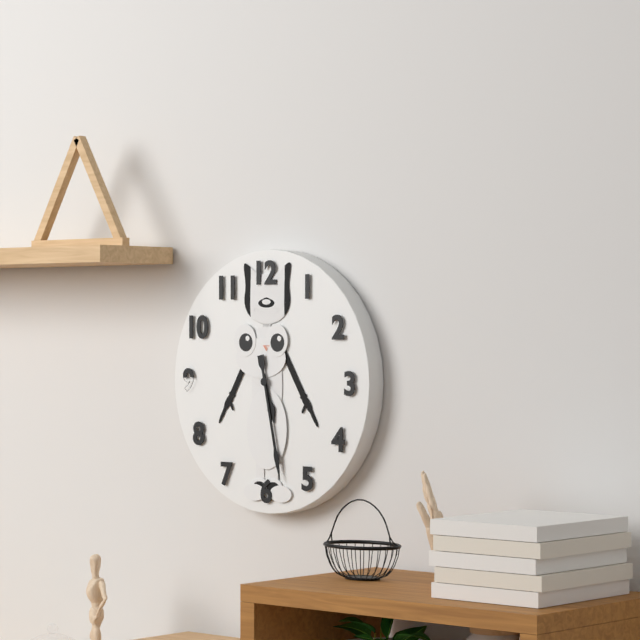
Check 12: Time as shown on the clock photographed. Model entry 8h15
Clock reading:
5h28
